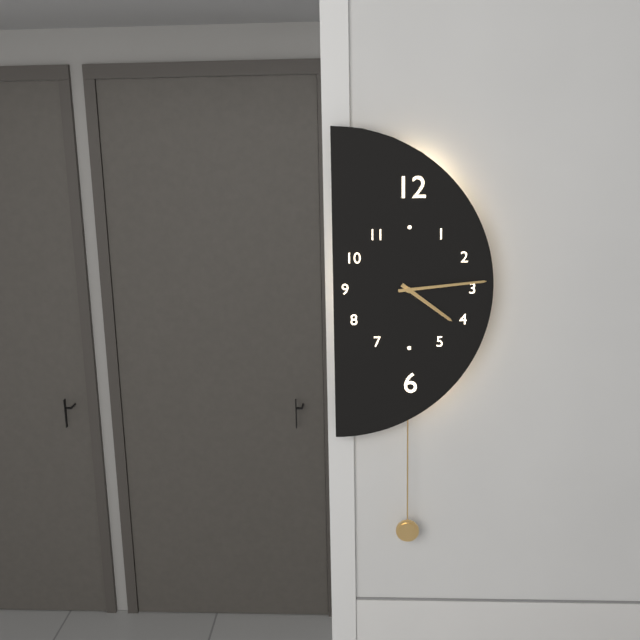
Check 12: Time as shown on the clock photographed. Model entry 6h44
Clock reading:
4h14
